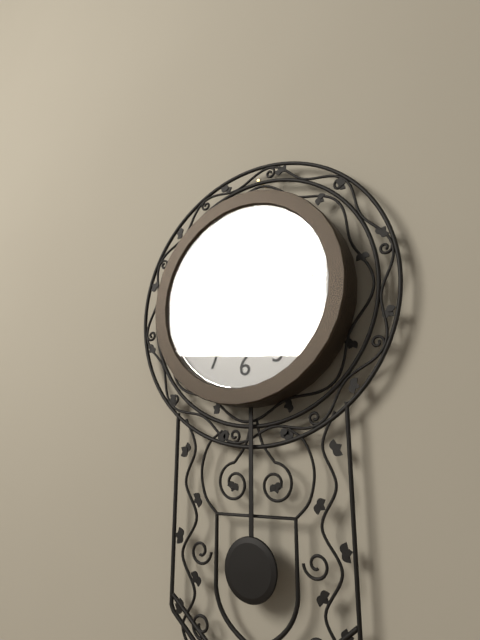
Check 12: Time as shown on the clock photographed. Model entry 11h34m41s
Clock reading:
2h30m22s
